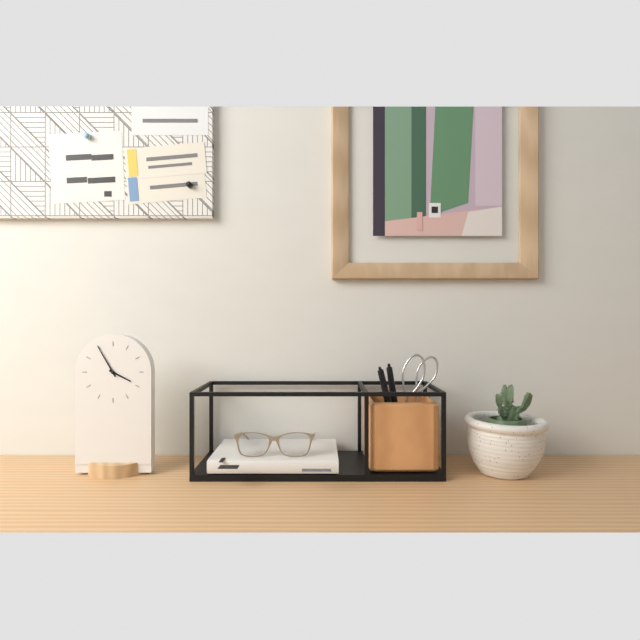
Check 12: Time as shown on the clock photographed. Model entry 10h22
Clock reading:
3h55
